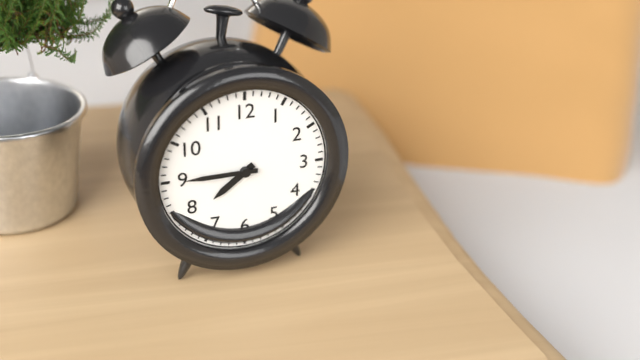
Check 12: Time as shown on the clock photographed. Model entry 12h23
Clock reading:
7h45
